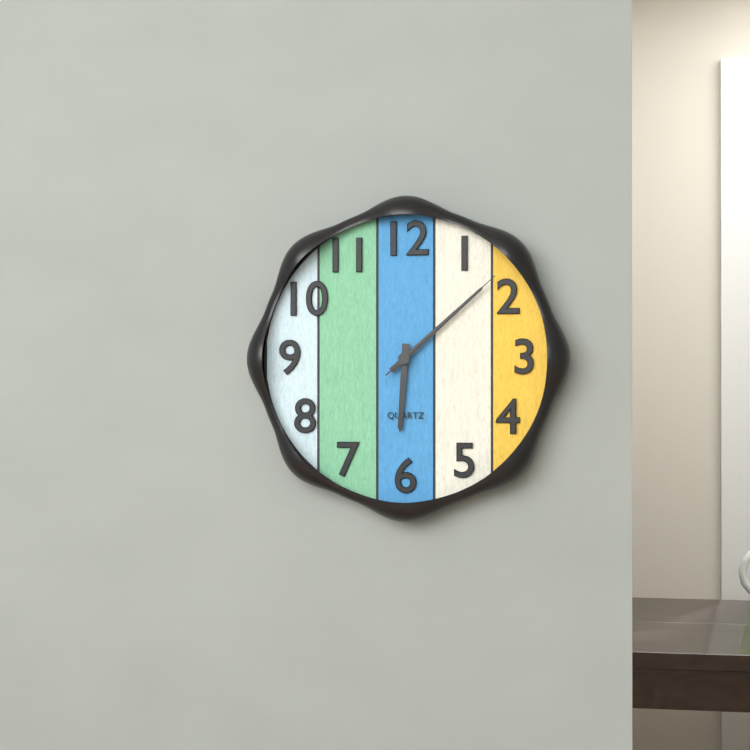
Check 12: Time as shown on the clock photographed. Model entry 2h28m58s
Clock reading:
6h08m08s
